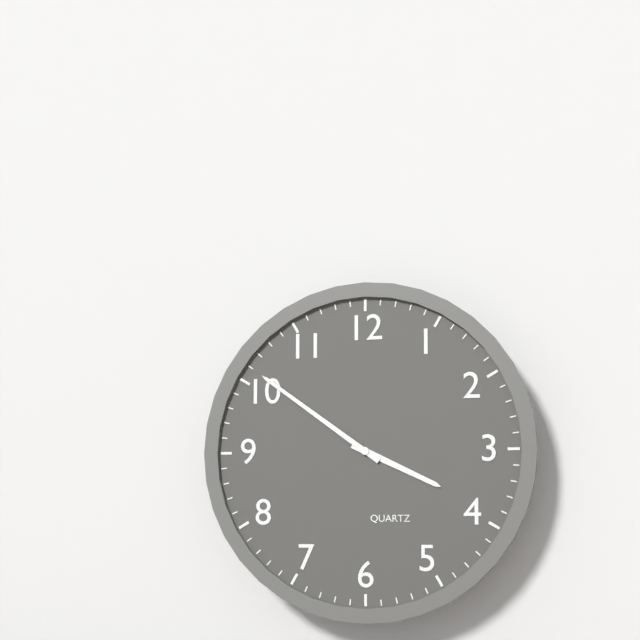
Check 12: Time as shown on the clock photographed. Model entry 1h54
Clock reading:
3h51
